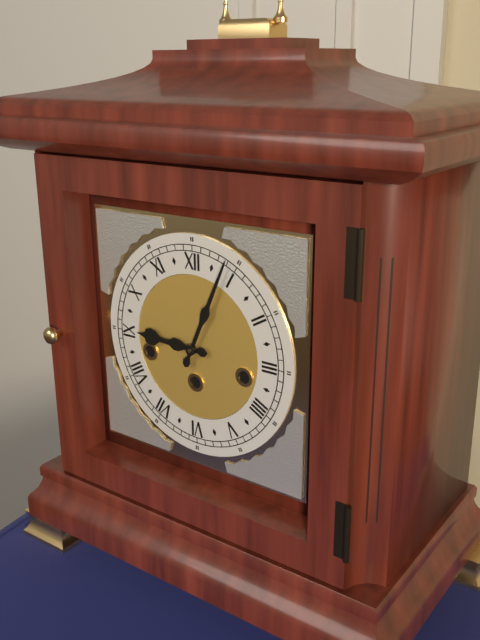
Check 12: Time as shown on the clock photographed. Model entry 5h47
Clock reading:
9h04
